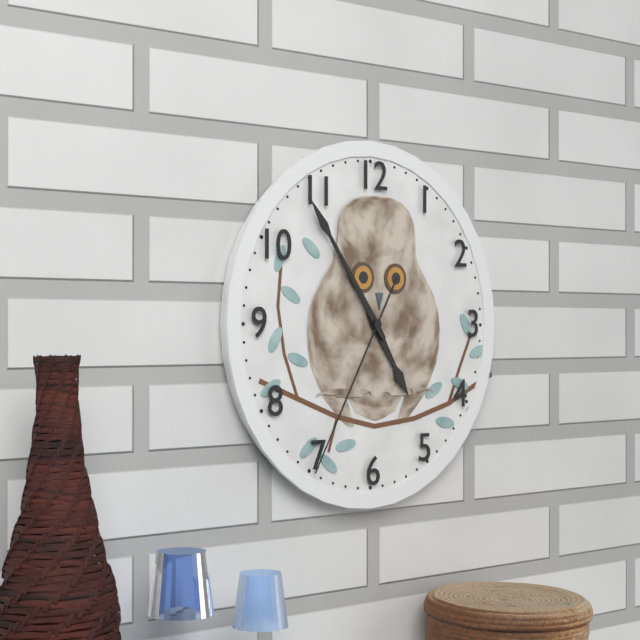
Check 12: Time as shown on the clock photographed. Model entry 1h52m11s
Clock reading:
4h54m35s
